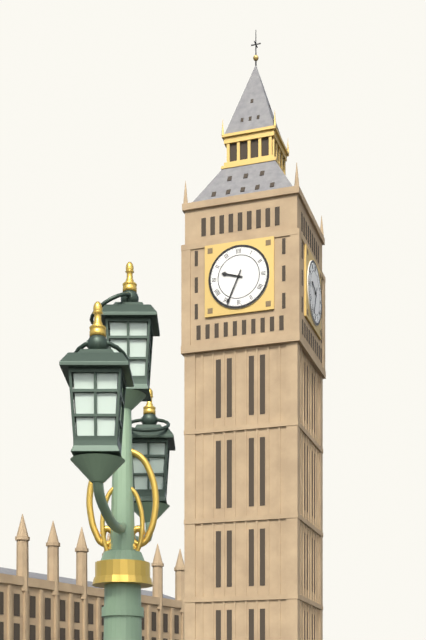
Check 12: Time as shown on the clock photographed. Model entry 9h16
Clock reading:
9h34
